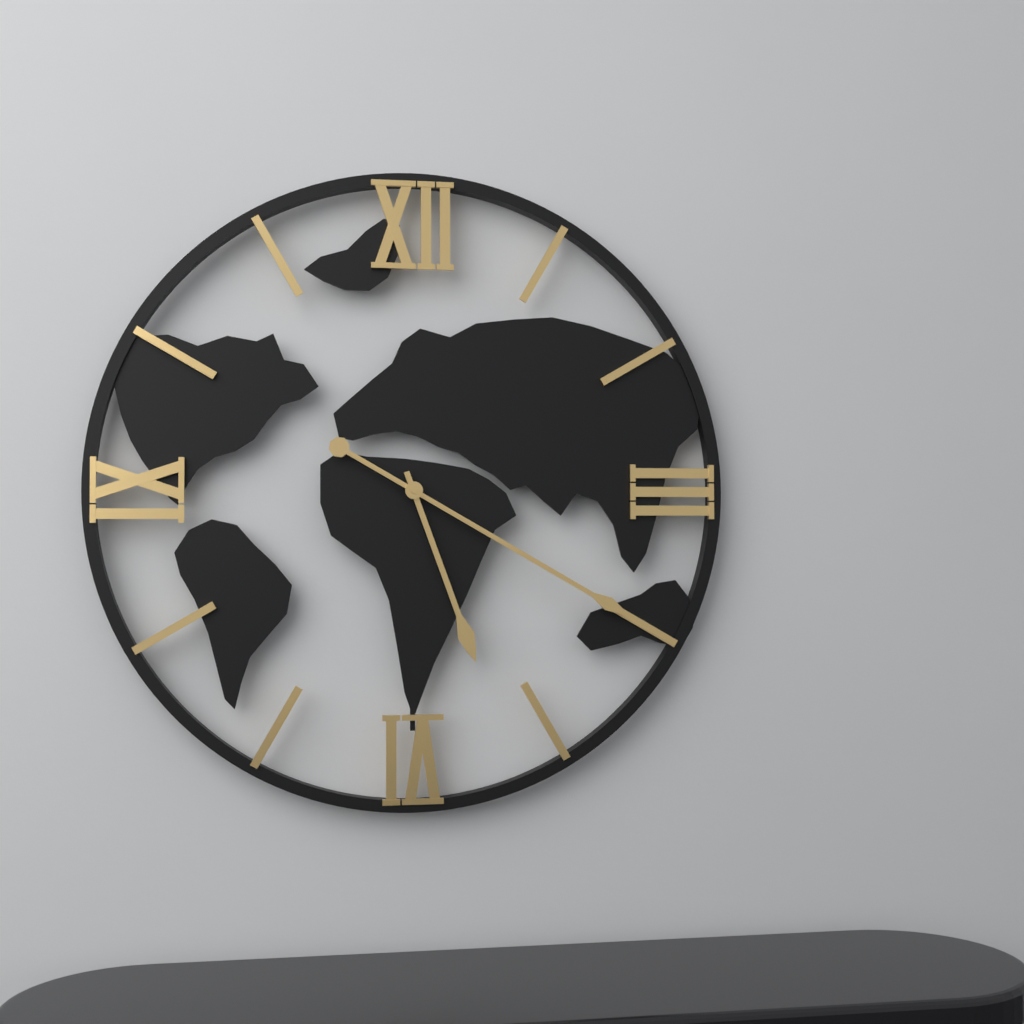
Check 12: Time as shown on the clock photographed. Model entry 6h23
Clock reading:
5h20
